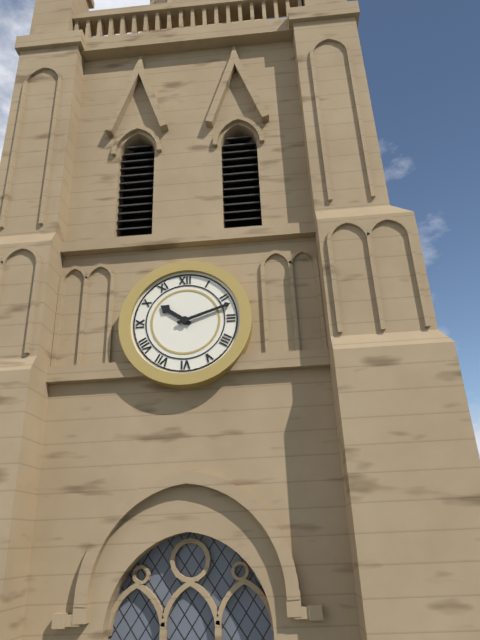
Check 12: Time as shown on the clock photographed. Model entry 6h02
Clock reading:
10h12
